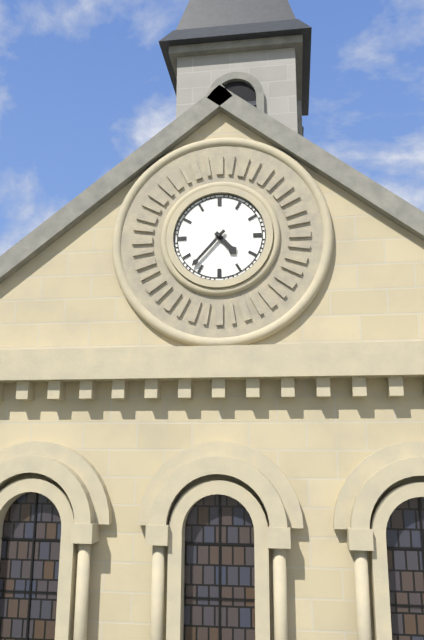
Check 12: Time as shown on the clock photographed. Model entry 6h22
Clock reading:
4h37
